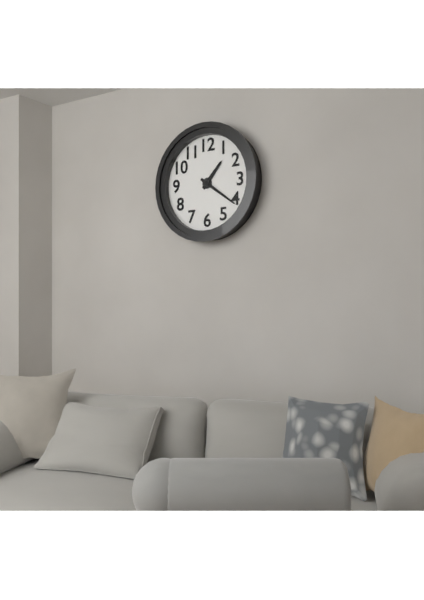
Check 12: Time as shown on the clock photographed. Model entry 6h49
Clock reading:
1h21
